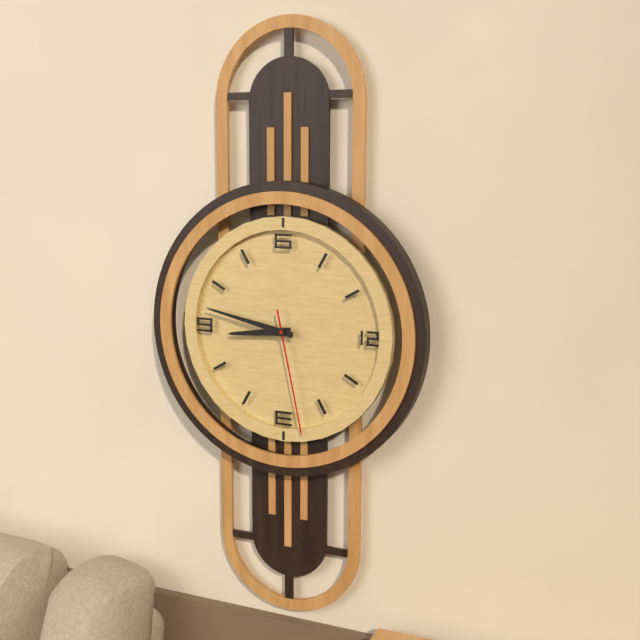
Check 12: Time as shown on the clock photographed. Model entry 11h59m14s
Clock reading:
8h47m28s
